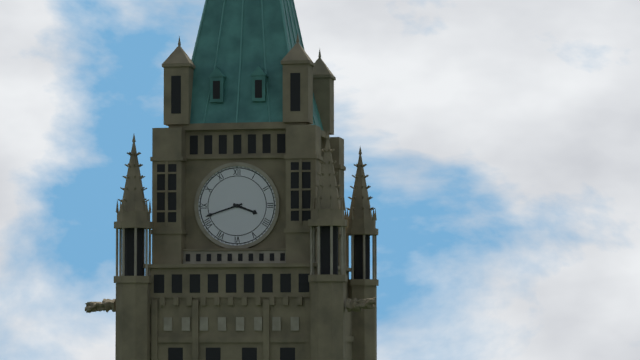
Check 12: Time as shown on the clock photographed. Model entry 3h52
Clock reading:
3h42
